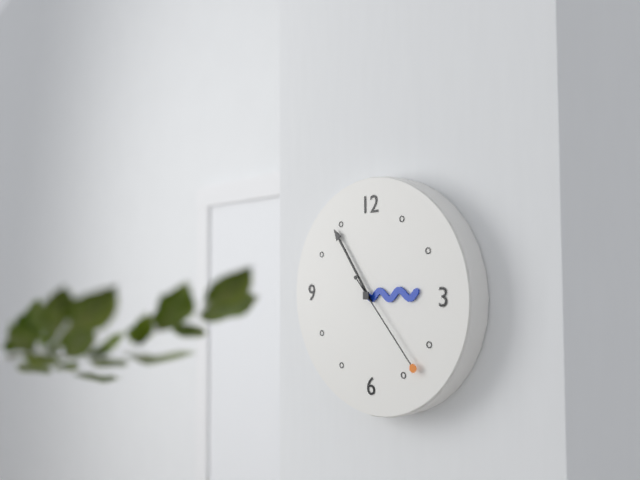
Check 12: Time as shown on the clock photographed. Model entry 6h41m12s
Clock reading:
2h54m23s
